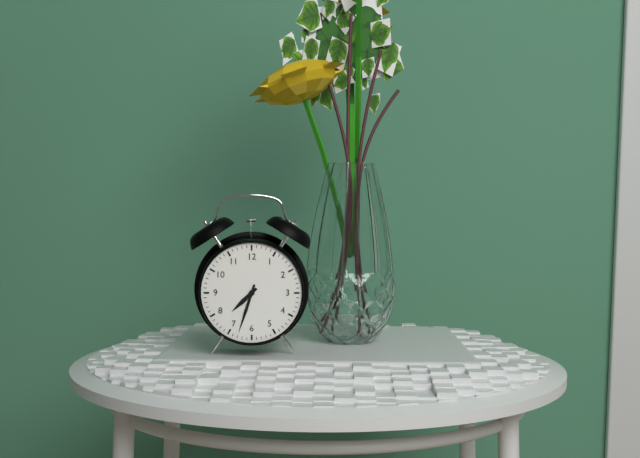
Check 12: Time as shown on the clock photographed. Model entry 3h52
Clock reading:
7h33
